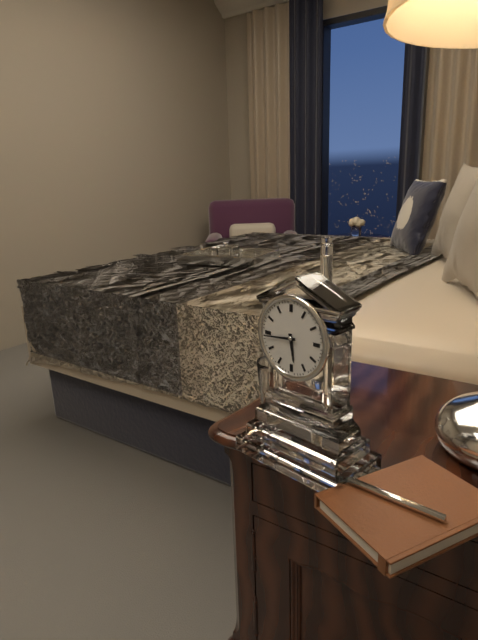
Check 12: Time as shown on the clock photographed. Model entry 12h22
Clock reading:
5h44
